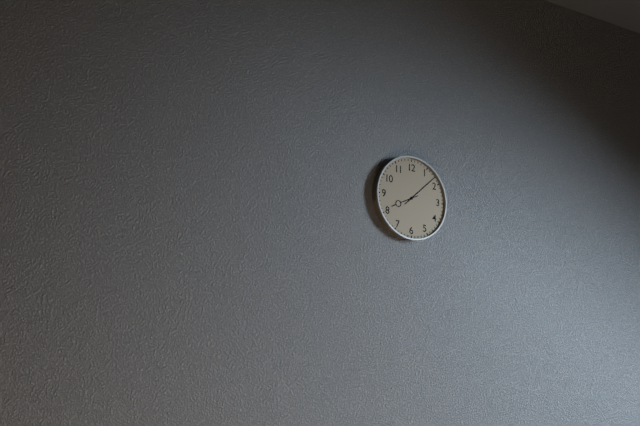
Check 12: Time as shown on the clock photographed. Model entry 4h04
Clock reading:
8h08
